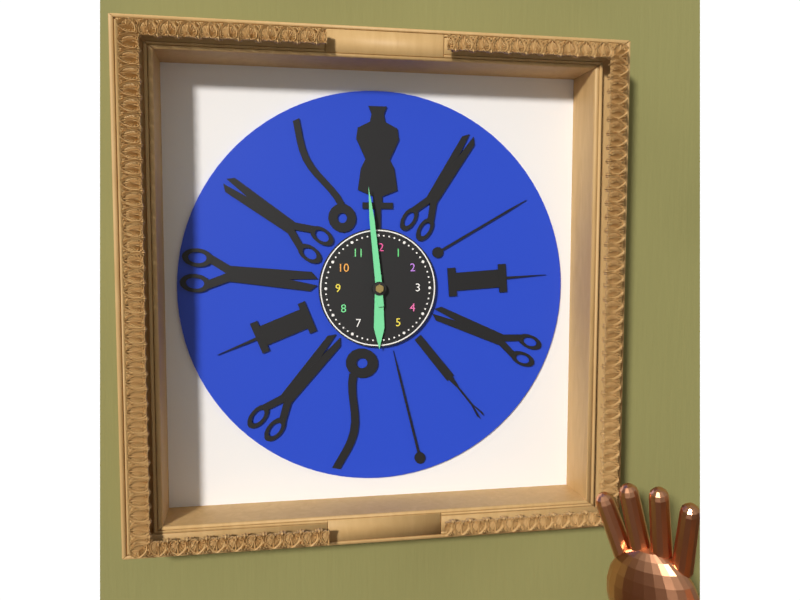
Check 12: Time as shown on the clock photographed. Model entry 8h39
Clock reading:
5h59
